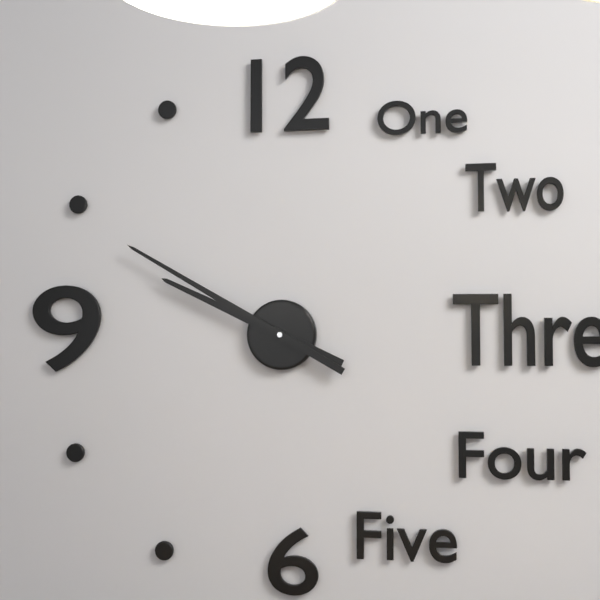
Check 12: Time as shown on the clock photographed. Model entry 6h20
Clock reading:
9h50
